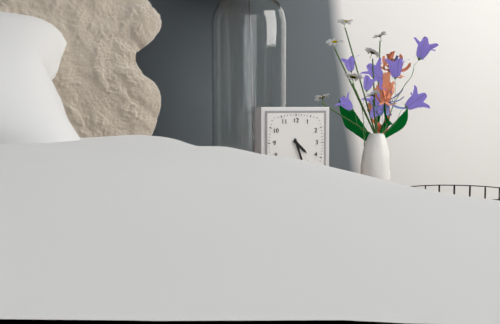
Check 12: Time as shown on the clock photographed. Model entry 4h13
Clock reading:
4h27
